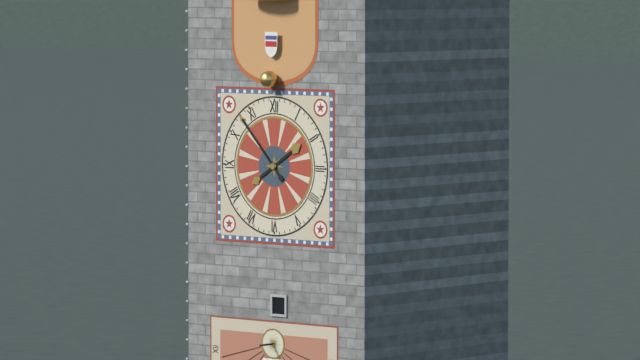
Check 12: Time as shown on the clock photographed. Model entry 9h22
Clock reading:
1h53
